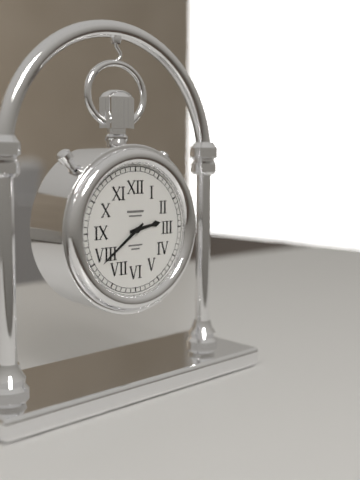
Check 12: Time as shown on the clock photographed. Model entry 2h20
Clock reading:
2h39
